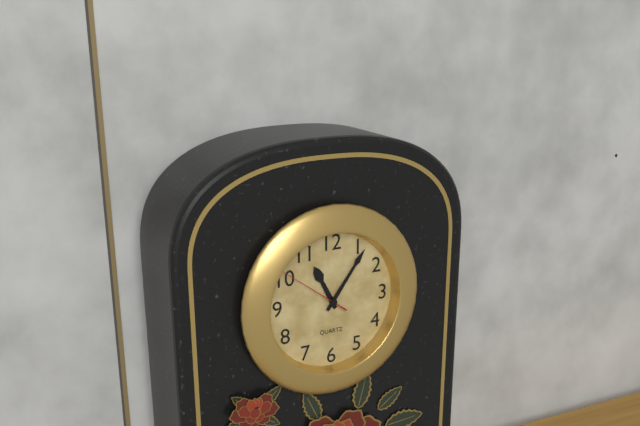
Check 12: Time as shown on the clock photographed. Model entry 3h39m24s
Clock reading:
11h06m51s
